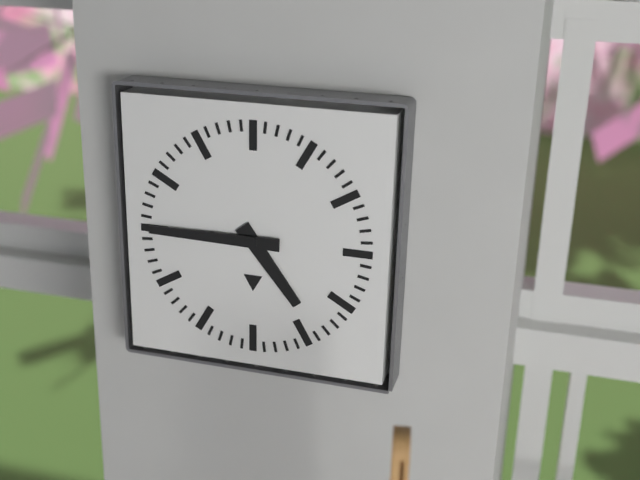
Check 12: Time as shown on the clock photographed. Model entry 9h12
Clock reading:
4h45
